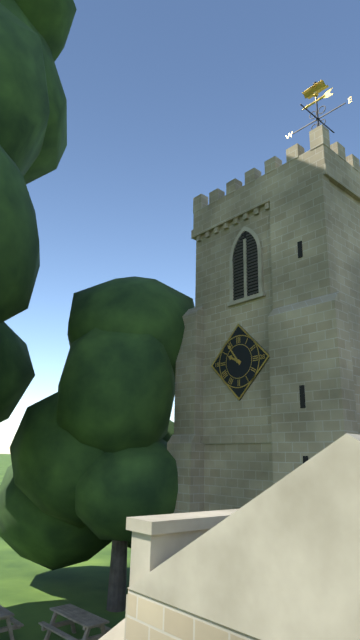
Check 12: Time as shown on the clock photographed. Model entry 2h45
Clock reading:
9h54
